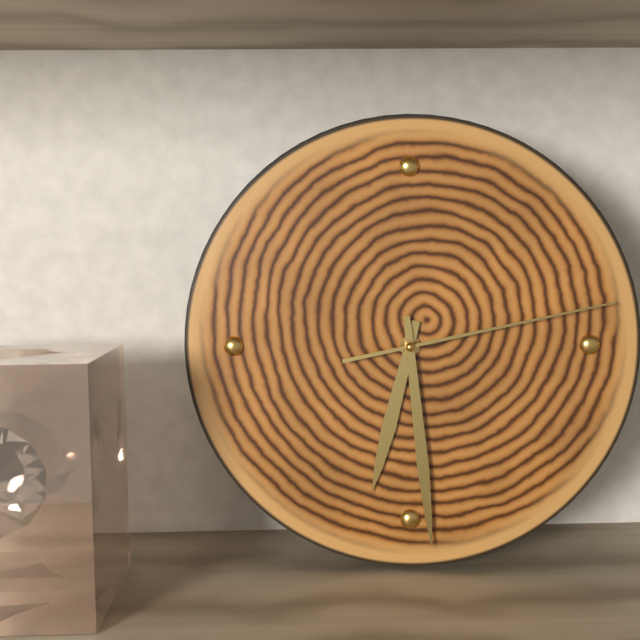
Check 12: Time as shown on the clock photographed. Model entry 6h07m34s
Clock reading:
6h29m13s
